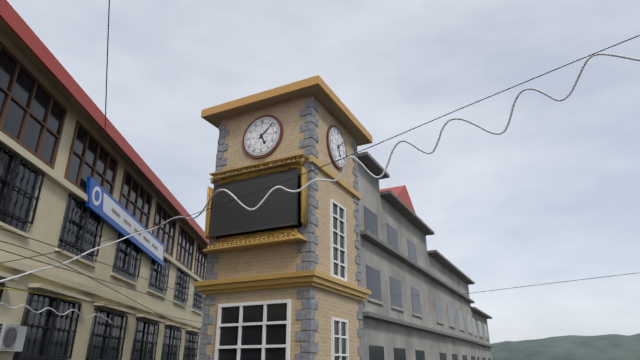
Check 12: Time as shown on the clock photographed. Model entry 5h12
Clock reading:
5h08
